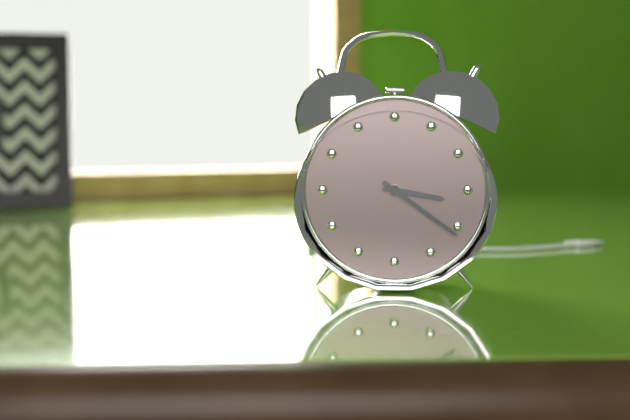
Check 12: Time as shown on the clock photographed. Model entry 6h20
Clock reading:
3h21
